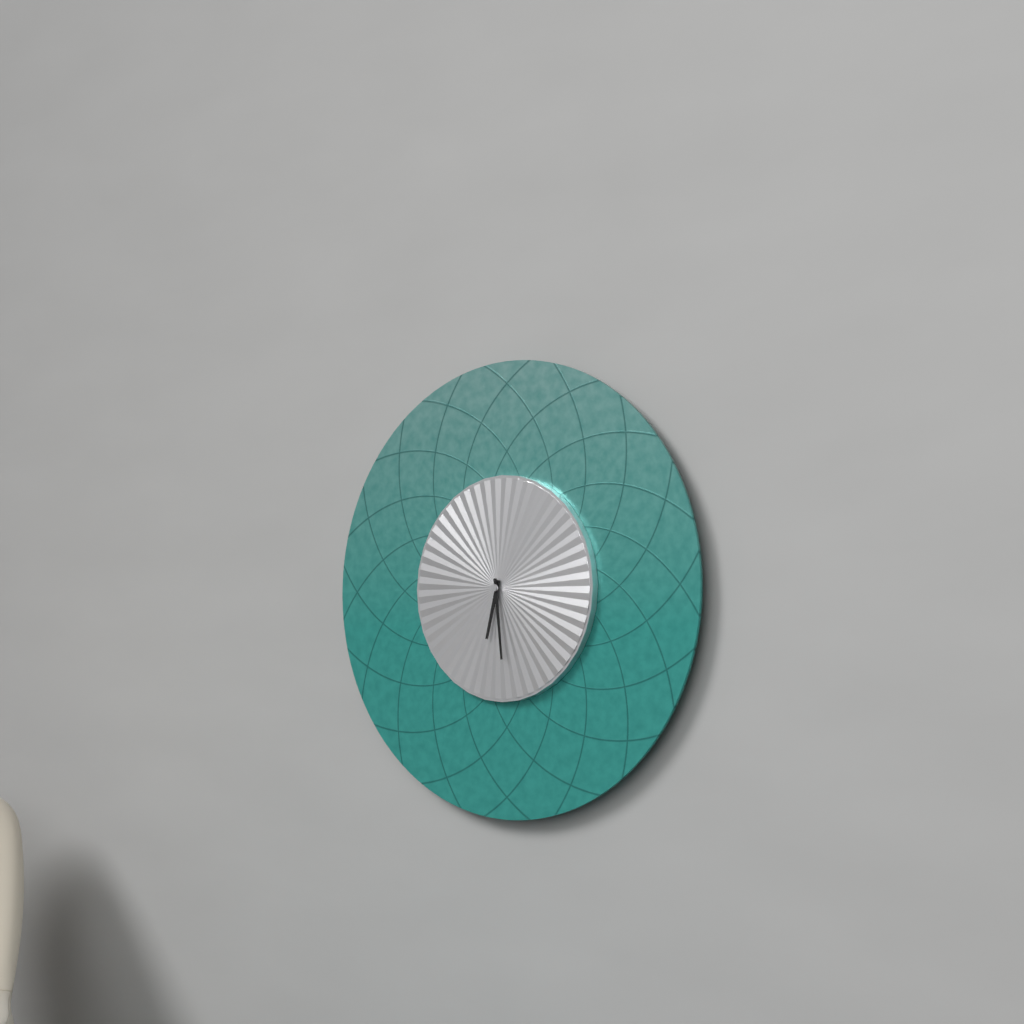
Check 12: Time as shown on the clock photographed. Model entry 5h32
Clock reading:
6h29
